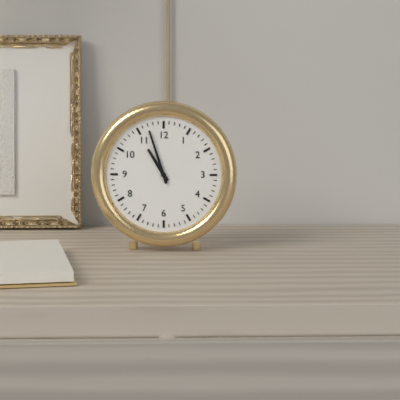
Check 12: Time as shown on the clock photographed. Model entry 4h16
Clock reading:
10h57
